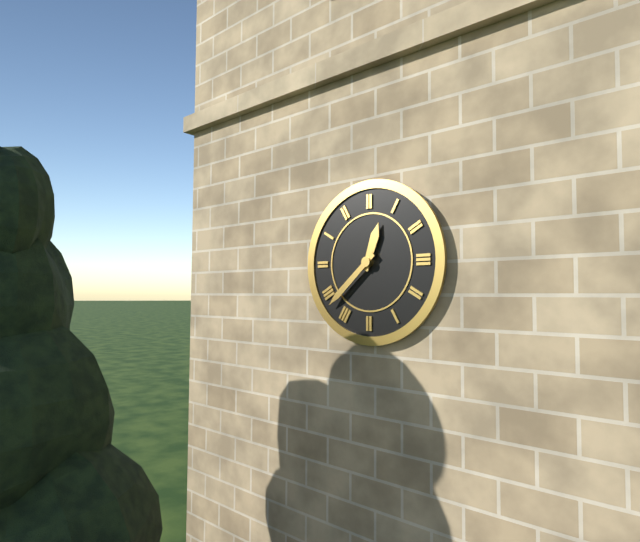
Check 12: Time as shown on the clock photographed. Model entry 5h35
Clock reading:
12h38
